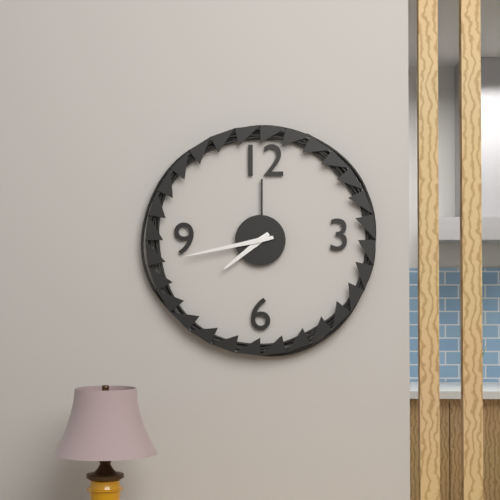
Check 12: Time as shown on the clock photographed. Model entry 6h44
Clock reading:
7h43
